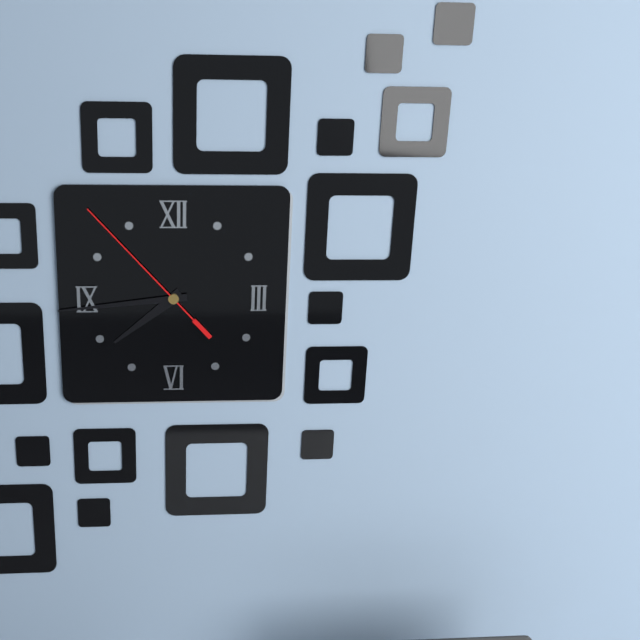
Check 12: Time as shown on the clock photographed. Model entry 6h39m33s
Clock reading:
7h44m53s
